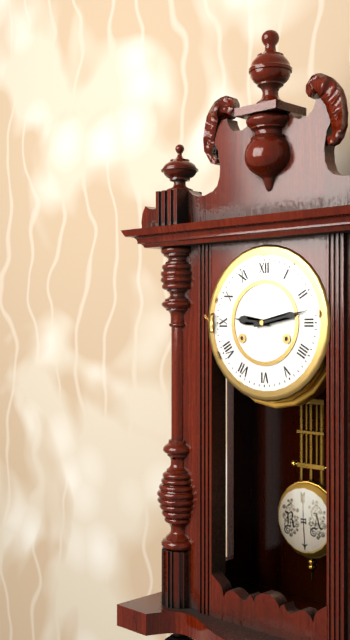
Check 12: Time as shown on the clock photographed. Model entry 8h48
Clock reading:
9h13
